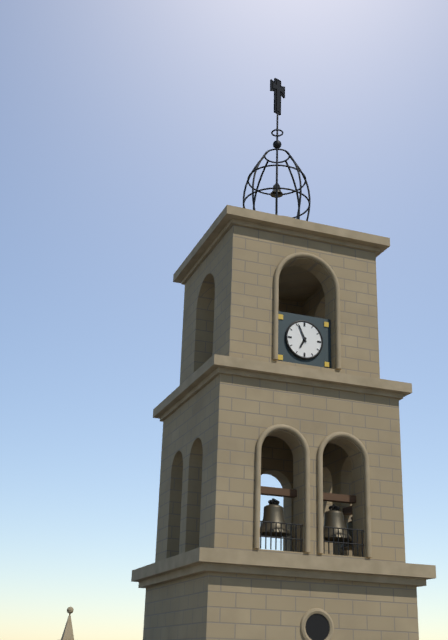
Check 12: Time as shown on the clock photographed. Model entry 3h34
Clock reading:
6h56
